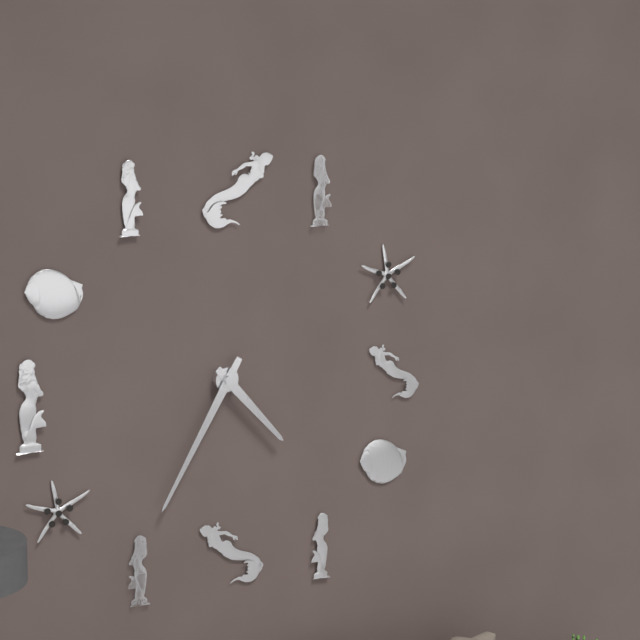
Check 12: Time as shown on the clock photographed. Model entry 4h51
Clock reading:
4h35
